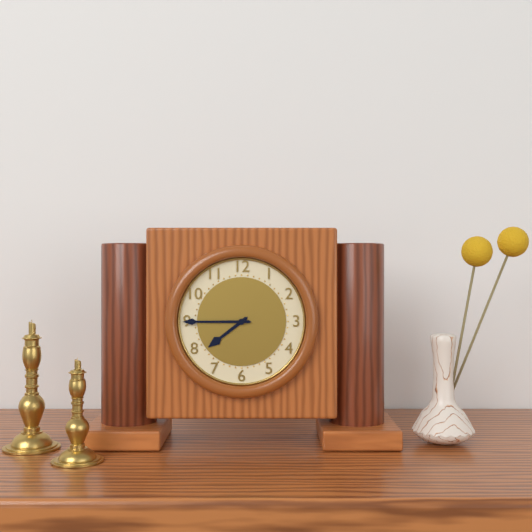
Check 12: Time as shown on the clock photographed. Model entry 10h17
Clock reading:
7h45
